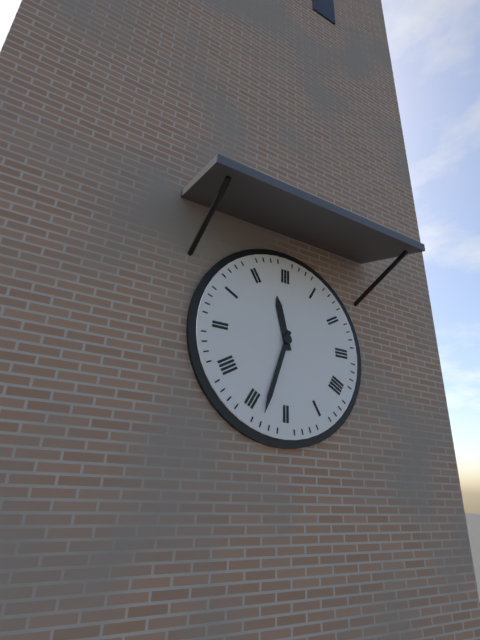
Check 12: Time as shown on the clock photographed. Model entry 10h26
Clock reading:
11h33
